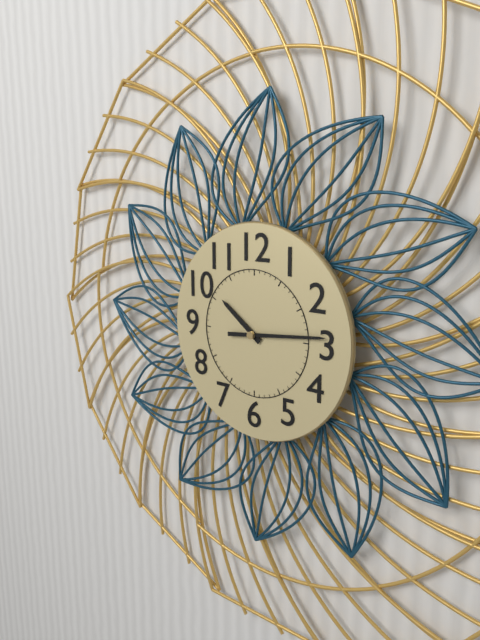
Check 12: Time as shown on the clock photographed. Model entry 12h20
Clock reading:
10h14
